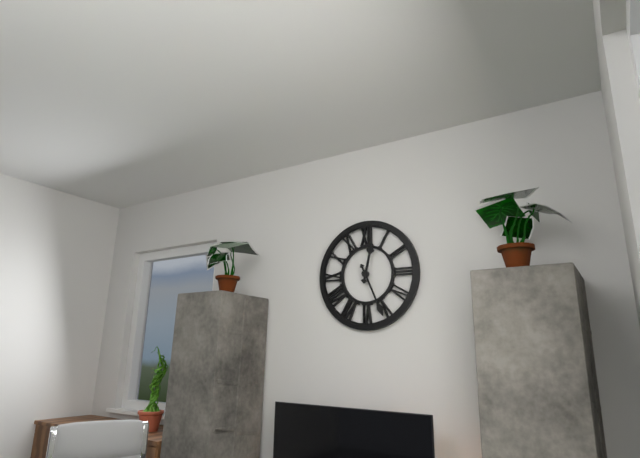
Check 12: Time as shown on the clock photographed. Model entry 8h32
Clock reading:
12h26
